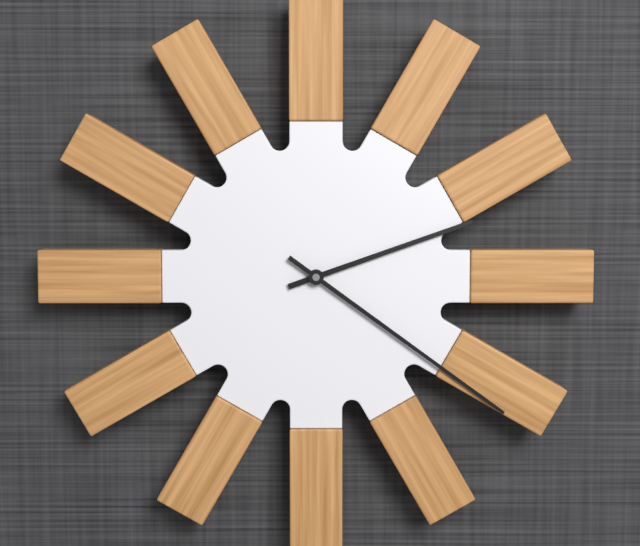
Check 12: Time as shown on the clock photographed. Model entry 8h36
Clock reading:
2h21
